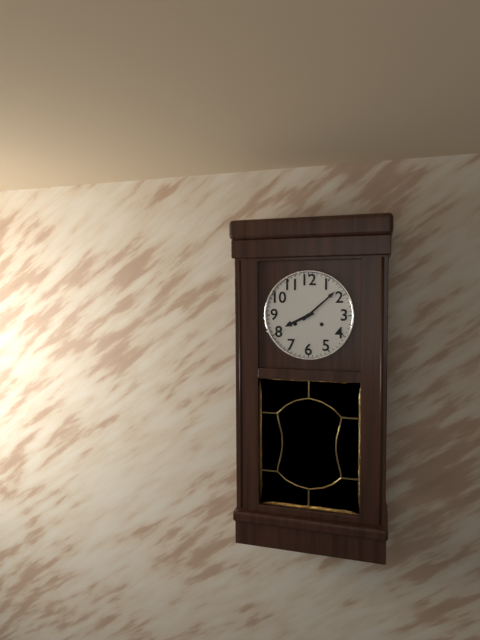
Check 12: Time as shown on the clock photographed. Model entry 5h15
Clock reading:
8h08
